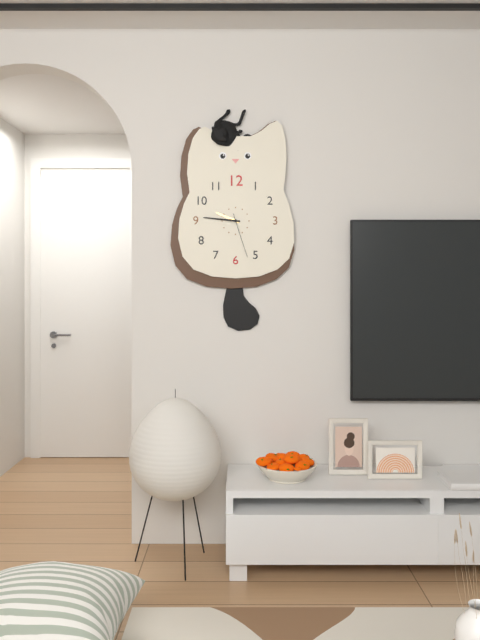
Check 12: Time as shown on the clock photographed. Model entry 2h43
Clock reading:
9h46
